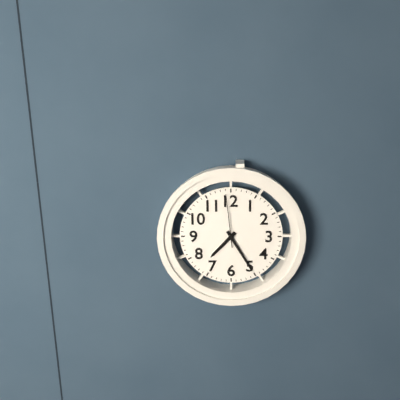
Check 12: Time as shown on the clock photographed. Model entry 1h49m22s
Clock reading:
7h25m59s
